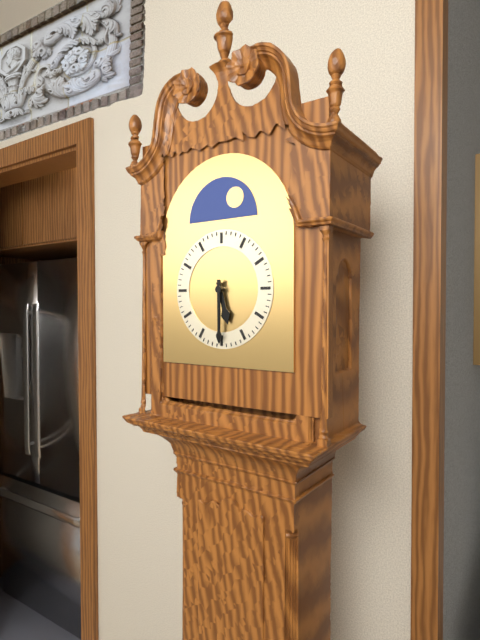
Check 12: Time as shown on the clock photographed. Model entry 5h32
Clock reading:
5h30
